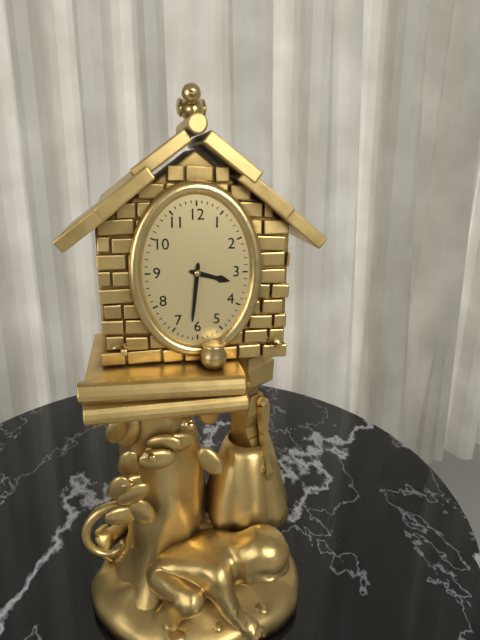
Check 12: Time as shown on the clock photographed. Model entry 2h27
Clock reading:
3h31
